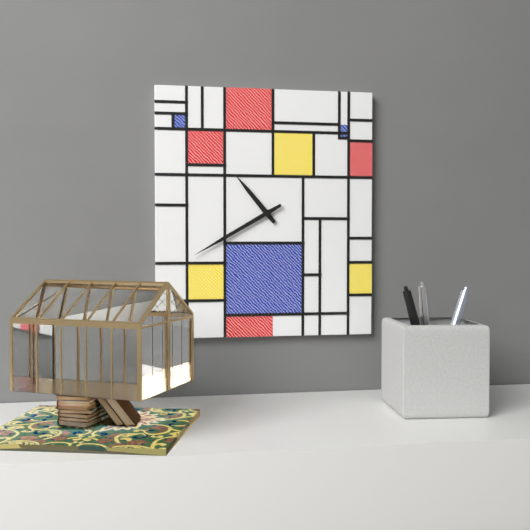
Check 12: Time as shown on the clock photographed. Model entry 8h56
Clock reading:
10h40
